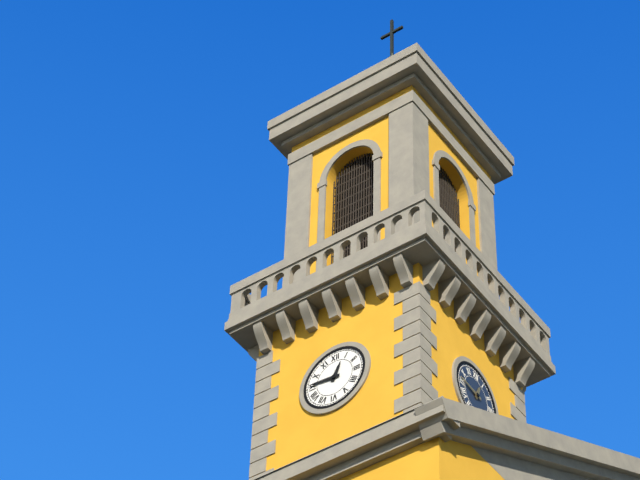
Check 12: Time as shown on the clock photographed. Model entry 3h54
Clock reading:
12h46
